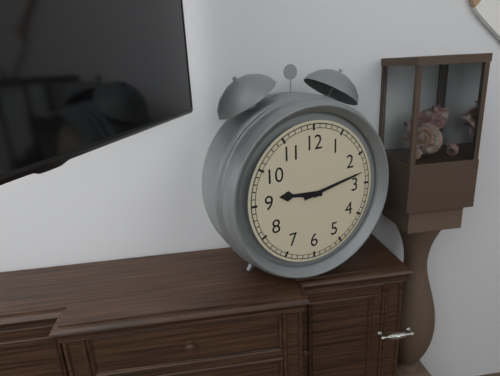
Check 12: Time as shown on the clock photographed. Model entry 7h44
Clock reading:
9h13
